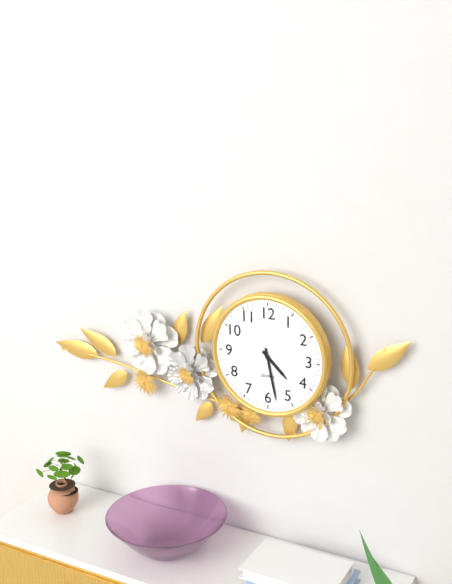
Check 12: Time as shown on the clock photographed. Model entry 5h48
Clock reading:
4h28
